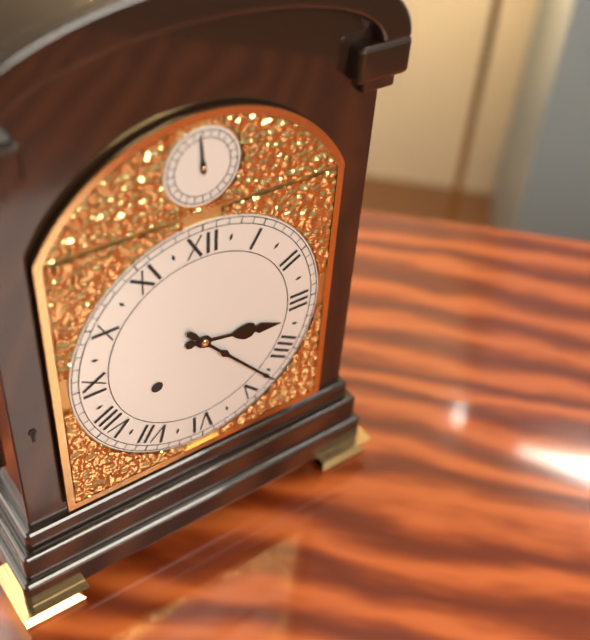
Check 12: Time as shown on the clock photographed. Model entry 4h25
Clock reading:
3h23
